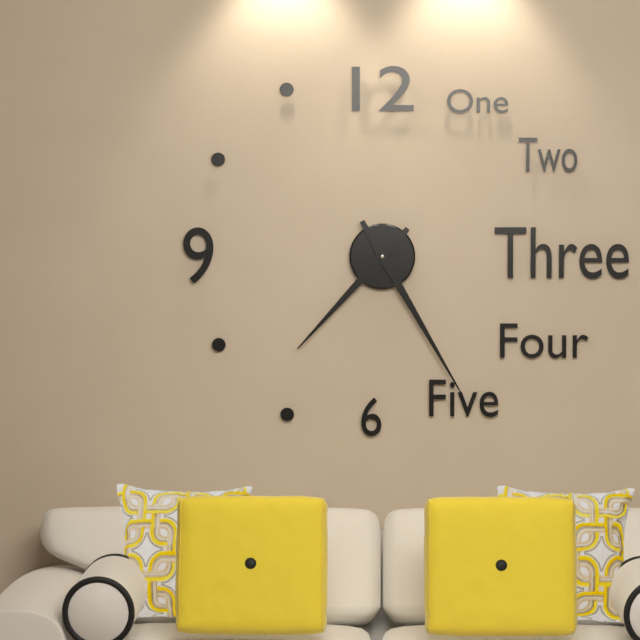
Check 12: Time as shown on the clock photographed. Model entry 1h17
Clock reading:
7h25
